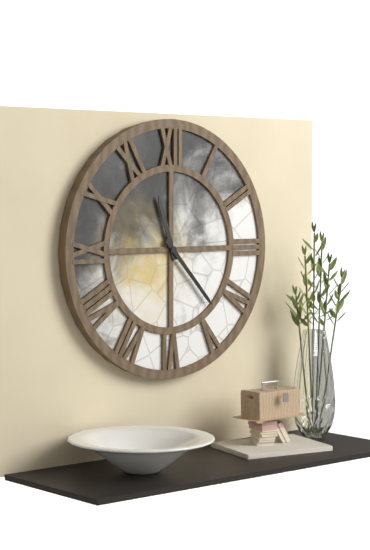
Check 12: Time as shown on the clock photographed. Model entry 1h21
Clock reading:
11h23
